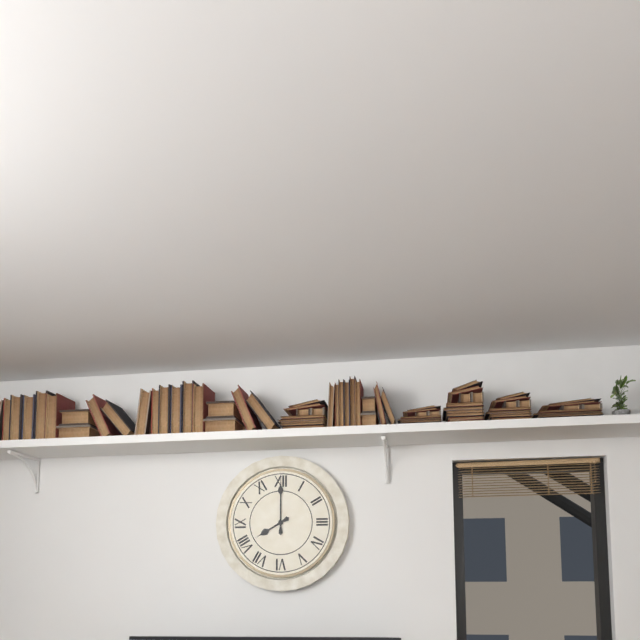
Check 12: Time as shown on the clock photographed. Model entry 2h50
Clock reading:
8h00
